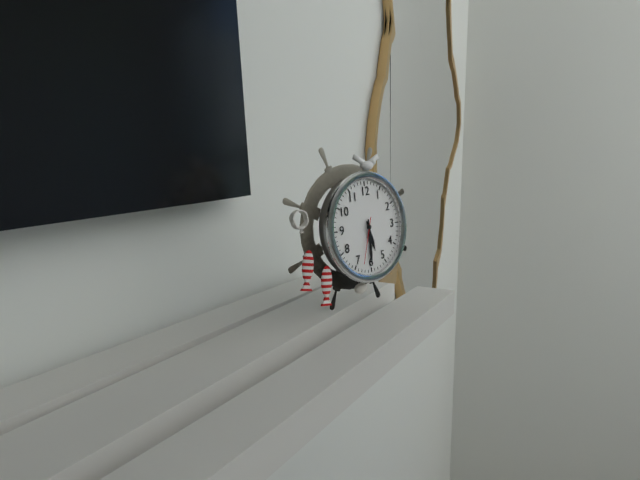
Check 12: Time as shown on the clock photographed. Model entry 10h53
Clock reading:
5h30
